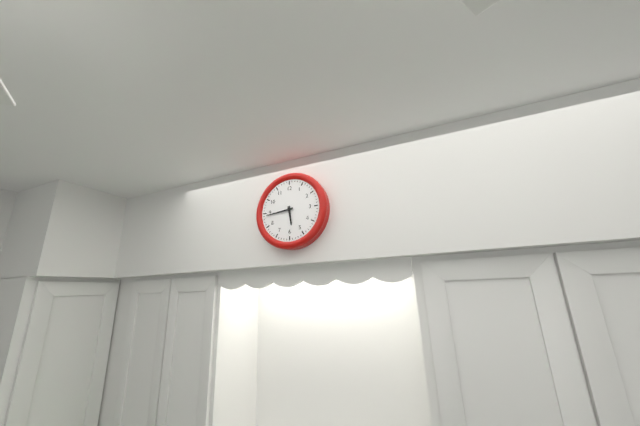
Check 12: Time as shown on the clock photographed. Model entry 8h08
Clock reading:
5h44
